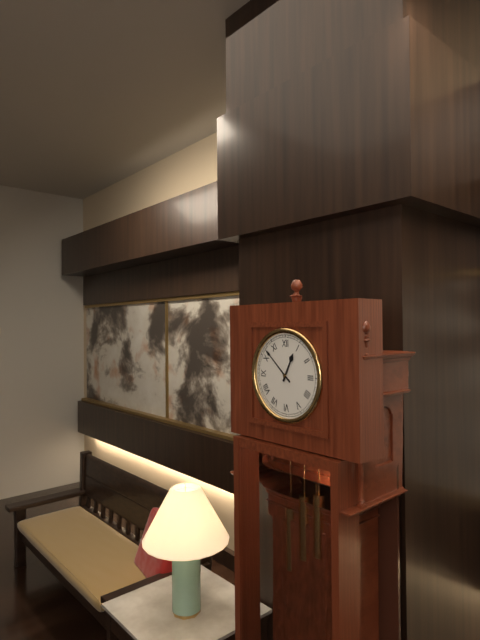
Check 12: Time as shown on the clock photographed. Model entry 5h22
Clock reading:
12h52
